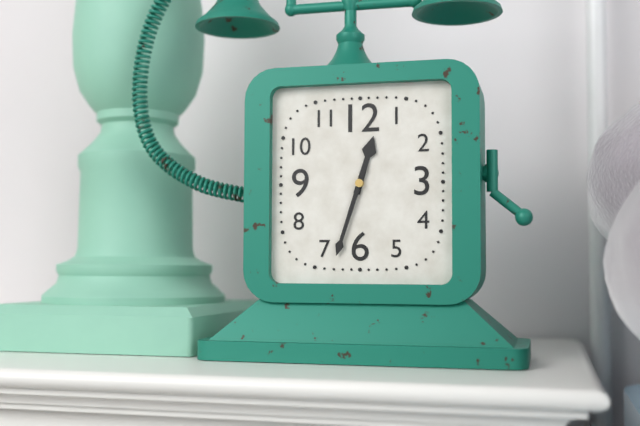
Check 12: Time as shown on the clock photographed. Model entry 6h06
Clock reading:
12h33
